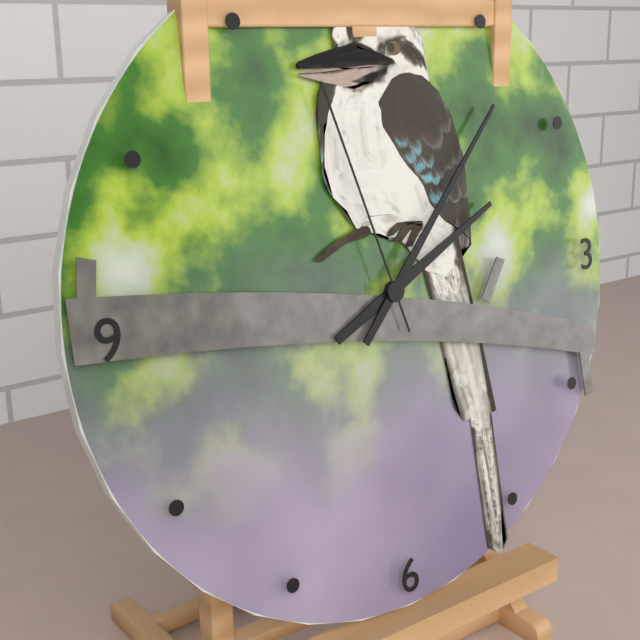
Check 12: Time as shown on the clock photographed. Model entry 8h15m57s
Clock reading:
2h07m57s
